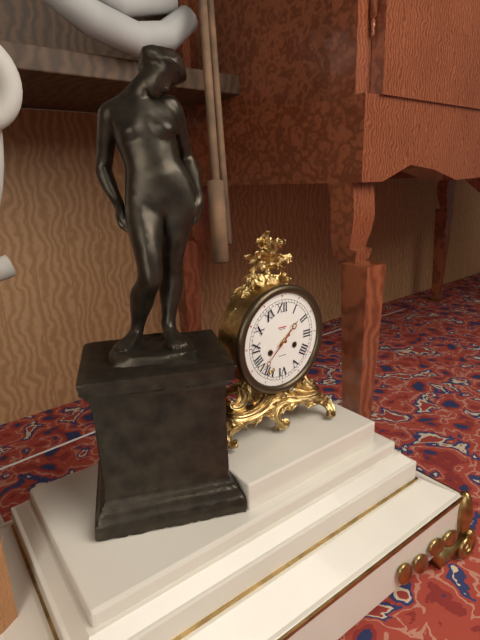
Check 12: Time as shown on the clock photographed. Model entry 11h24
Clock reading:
1h38
